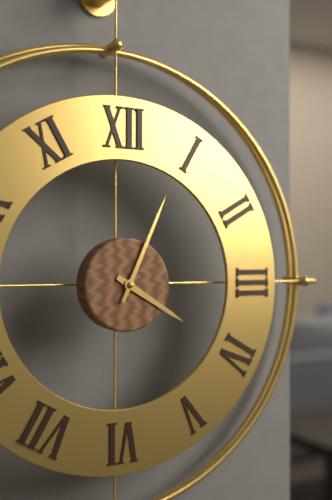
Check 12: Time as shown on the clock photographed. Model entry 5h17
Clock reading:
4h04
